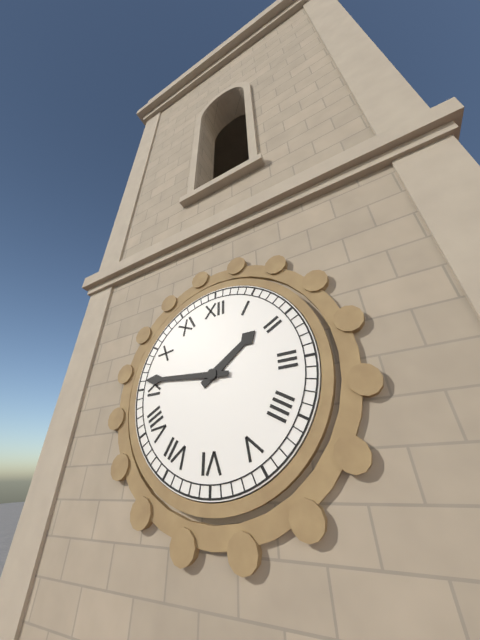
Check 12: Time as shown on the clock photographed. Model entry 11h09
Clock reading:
1h46
